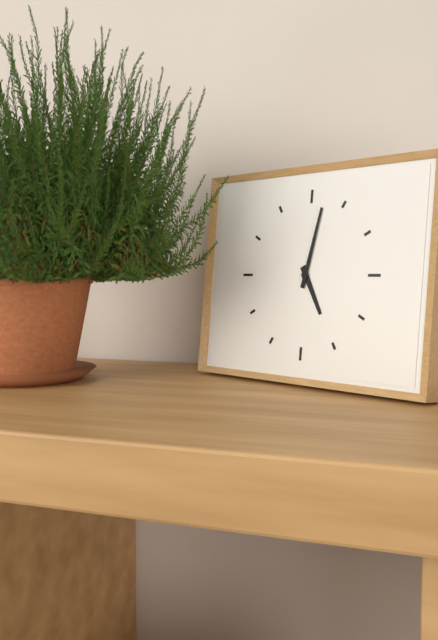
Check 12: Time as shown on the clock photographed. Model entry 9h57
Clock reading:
5h02
